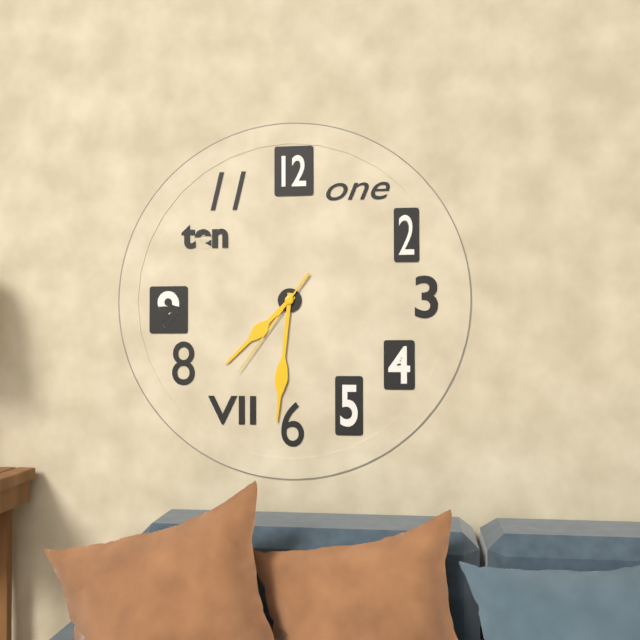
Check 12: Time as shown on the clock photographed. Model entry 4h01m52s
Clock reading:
7h31m36s
